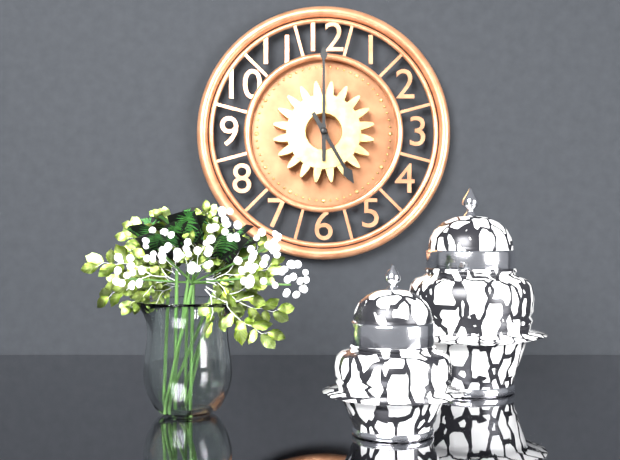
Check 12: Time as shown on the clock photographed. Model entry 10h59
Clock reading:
5h00
